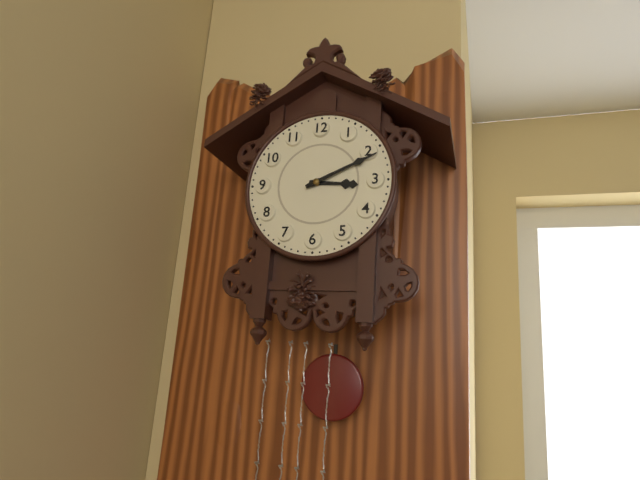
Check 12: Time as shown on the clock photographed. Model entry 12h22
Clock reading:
3h11
